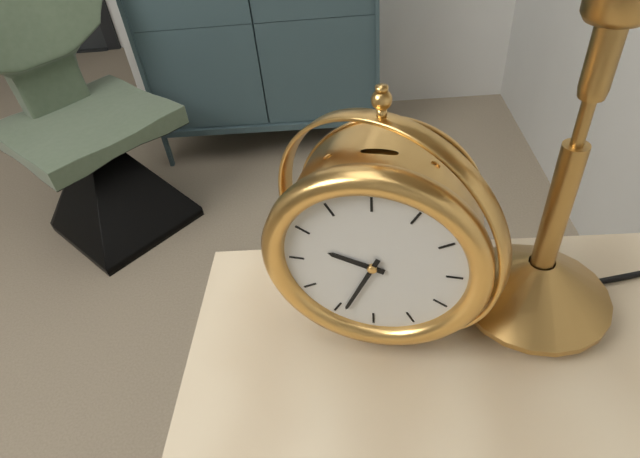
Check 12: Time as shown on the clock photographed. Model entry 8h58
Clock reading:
9h34
